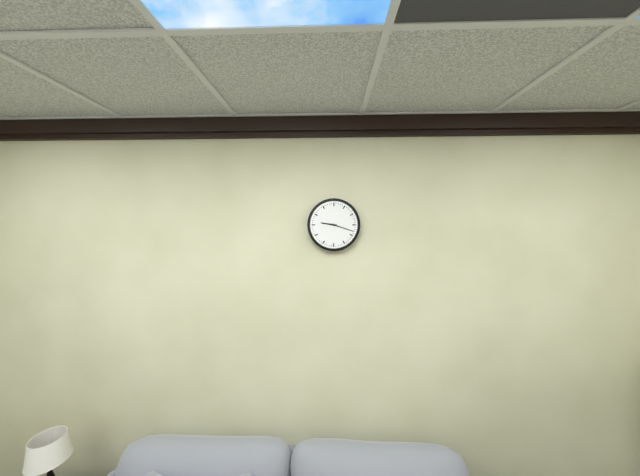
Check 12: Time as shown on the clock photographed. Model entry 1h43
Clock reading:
9h18
